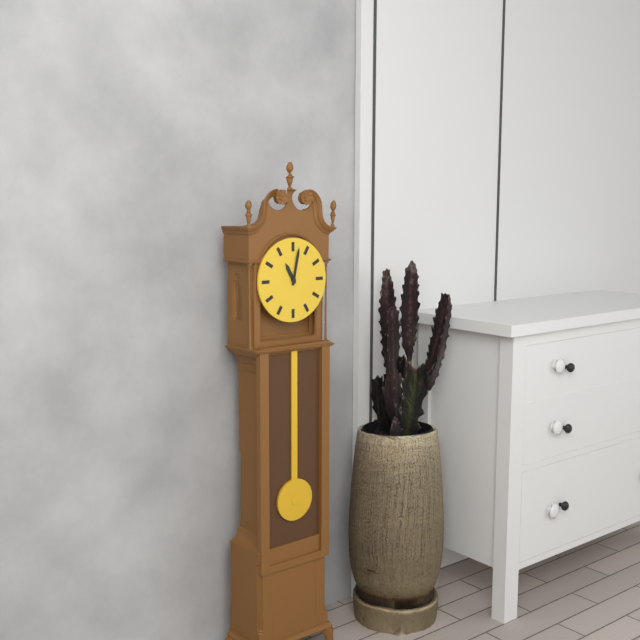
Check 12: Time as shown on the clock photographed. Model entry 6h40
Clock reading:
11h02
